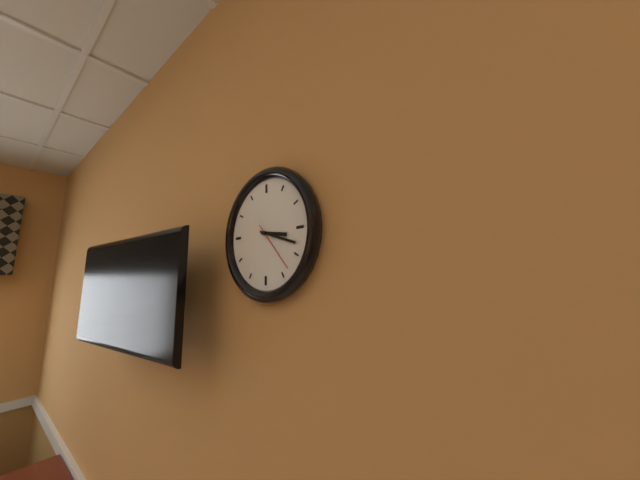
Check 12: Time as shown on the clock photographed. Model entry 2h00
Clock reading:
3h18
